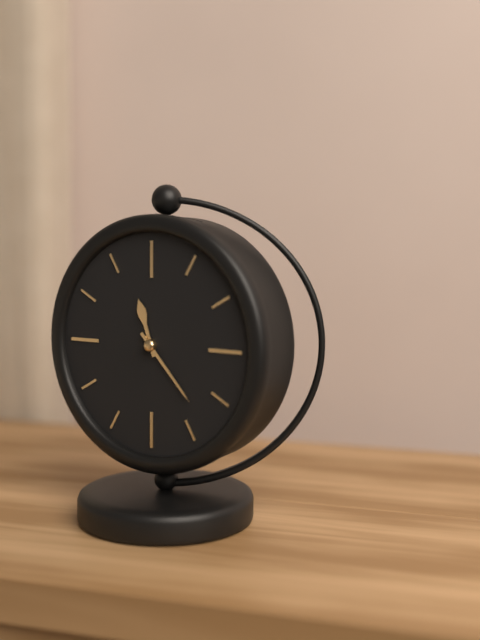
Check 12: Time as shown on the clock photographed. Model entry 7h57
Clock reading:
11h23
